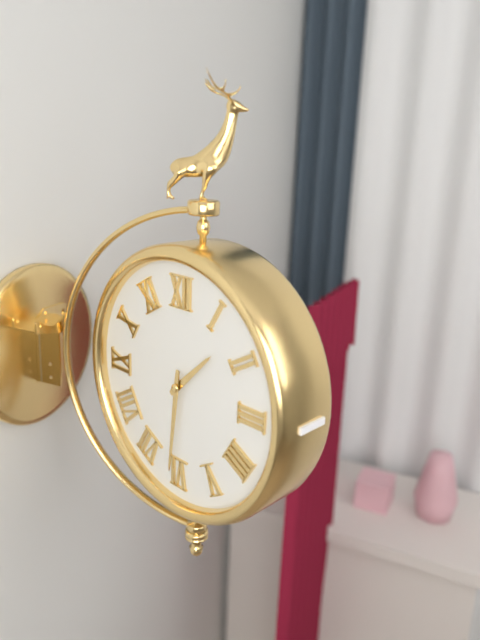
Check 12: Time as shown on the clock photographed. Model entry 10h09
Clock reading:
1h31
